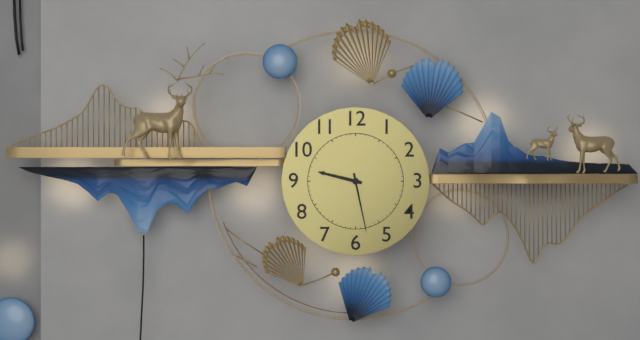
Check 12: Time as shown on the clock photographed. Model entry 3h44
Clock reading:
9h28
